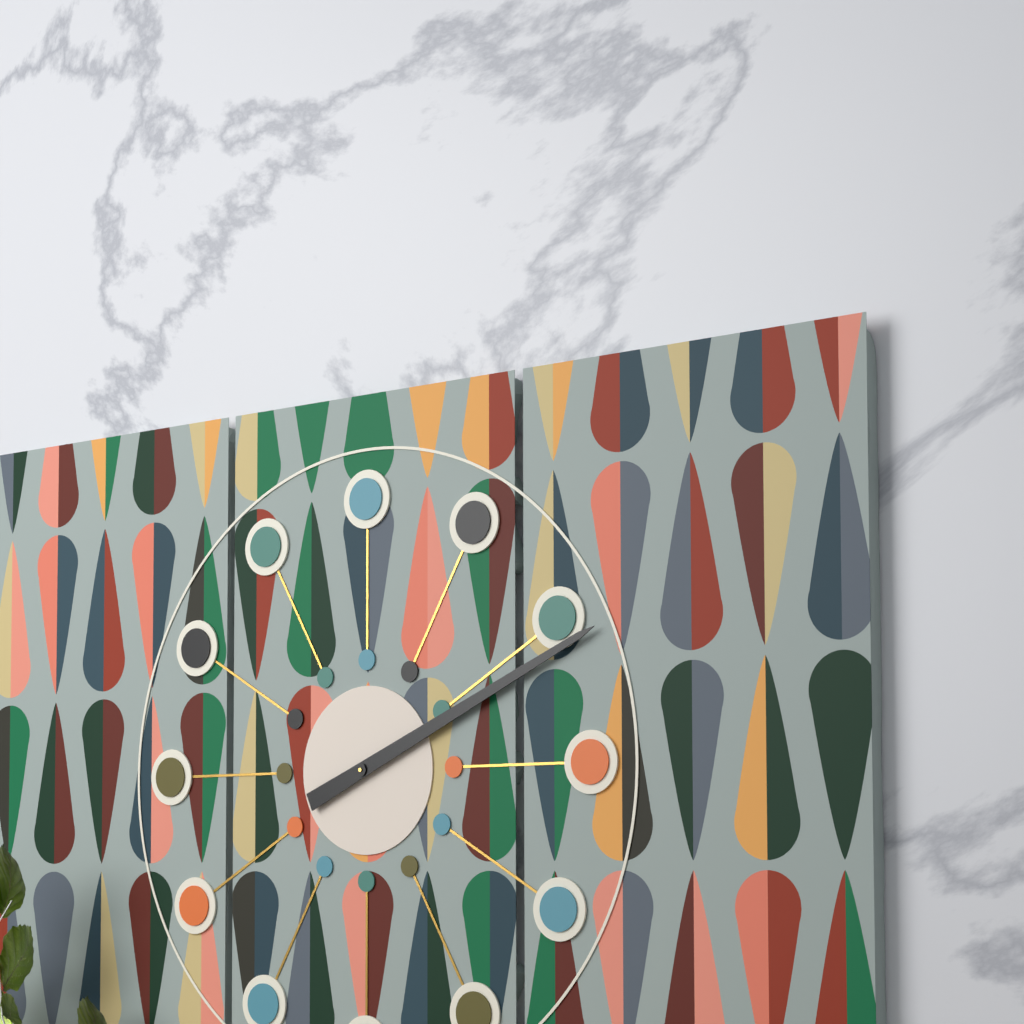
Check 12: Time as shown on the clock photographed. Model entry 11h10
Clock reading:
2h11
